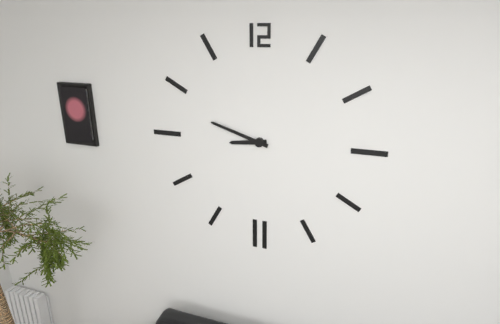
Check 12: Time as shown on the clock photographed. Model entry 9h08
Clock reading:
8h48
